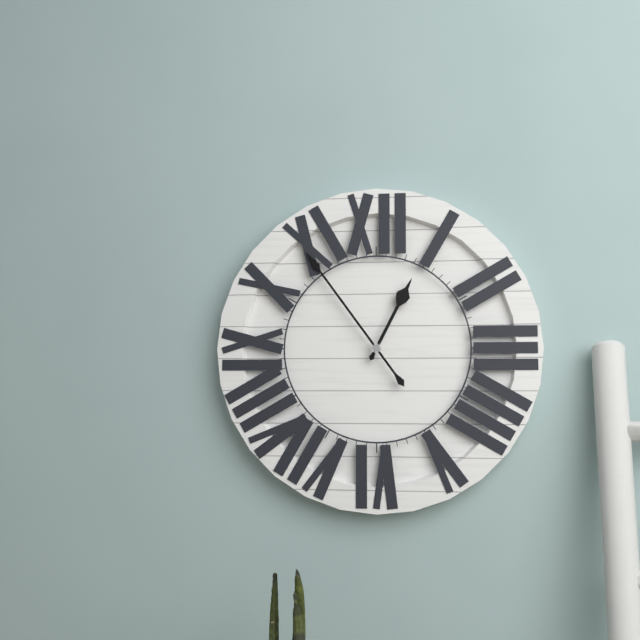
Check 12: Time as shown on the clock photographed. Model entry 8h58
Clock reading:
12h54
